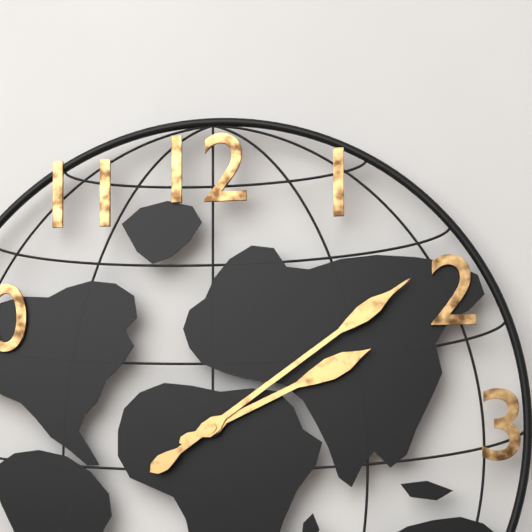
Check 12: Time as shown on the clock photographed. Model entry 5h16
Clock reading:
2h09
